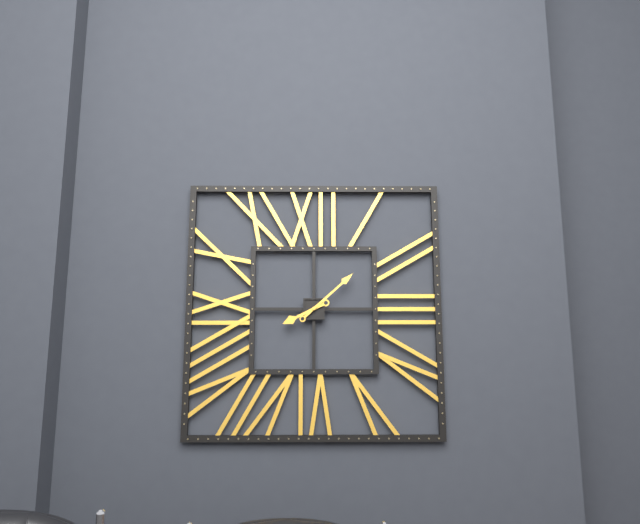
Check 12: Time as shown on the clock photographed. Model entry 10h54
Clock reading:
8h08
